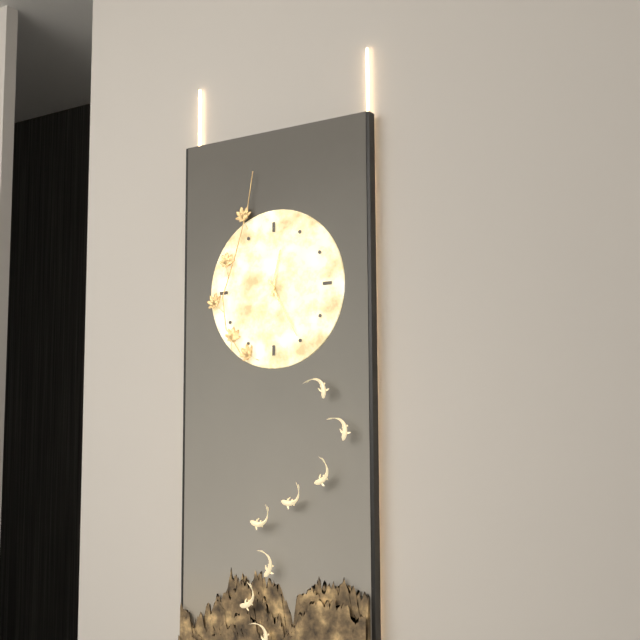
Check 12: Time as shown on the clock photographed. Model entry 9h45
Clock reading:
12h25
